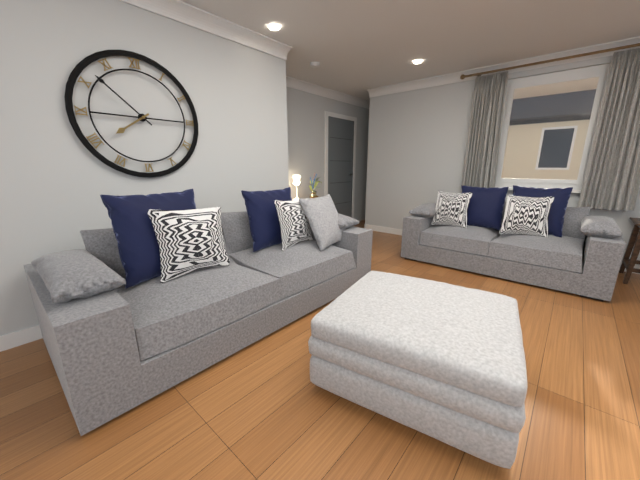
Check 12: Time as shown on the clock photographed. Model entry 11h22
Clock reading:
7h52
